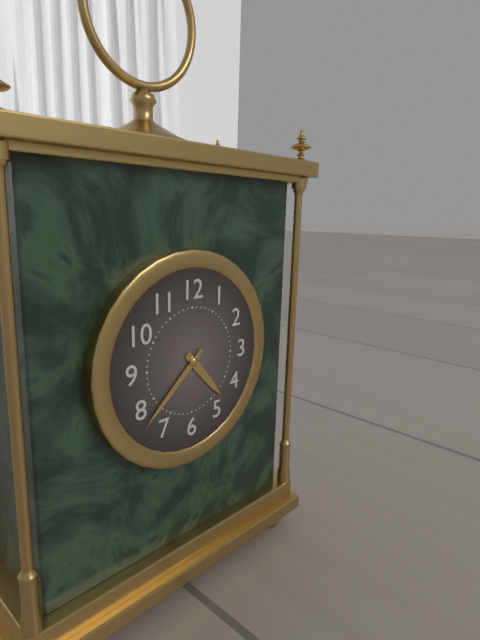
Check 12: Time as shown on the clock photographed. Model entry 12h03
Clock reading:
4h38
